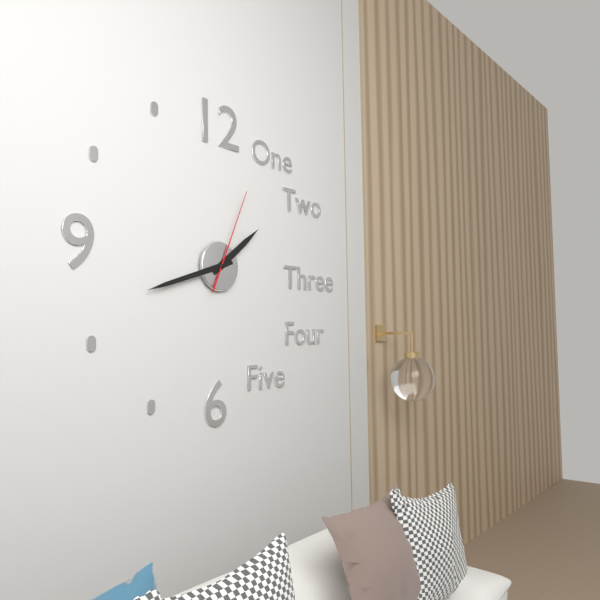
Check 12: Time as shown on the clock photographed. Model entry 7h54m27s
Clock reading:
1h42m04s
